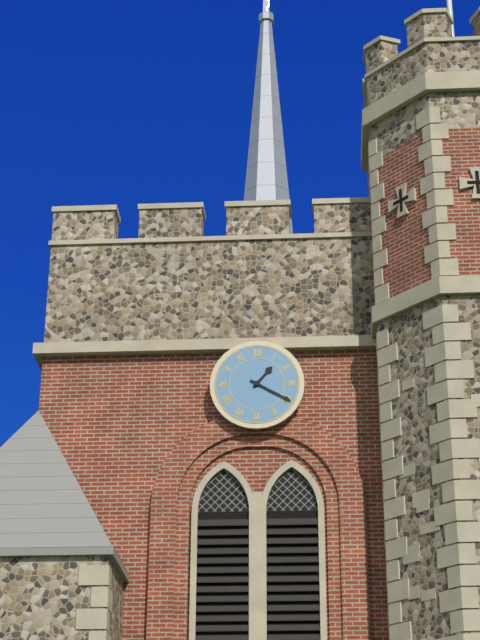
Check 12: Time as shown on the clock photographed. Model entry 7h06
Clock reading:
1h20
